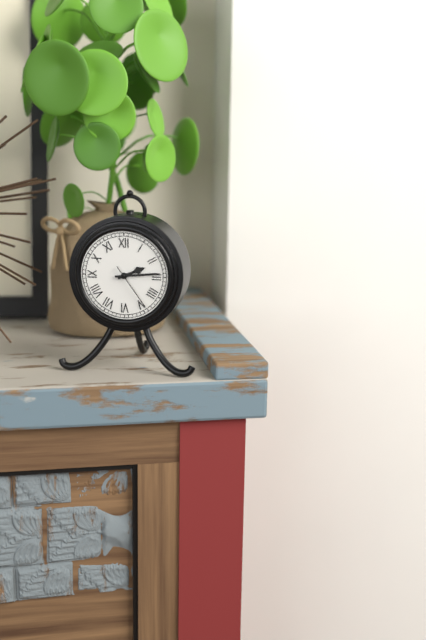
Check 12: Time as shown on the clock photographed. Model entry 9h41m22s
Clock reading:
2h14m24s
